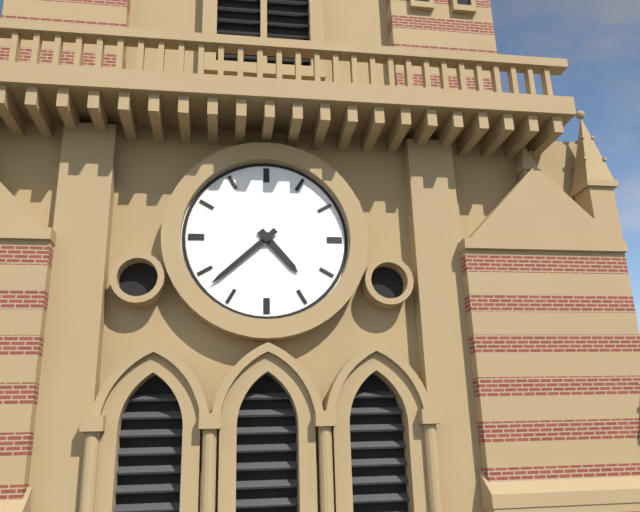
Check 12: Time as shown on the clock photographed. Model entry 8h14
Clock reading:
4h38
